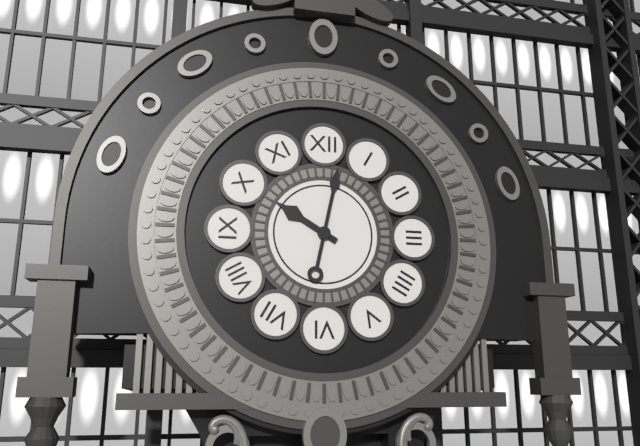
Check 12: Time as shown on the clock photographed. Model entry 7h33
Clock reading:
10h02
